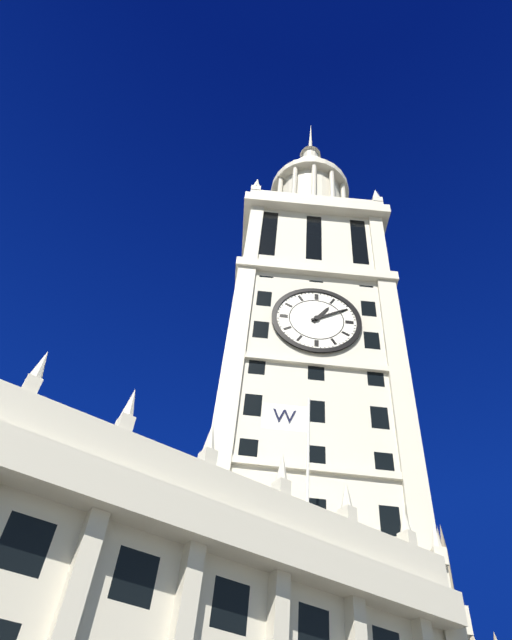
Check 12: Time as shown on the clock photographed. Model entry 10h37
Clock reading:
1h10
